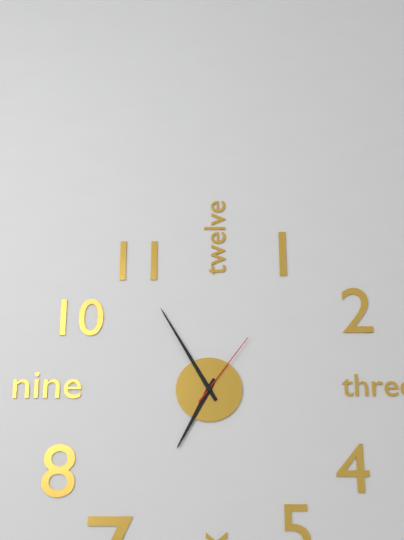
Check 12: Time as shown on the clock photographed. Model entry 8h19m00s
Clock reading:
6h55m06s
